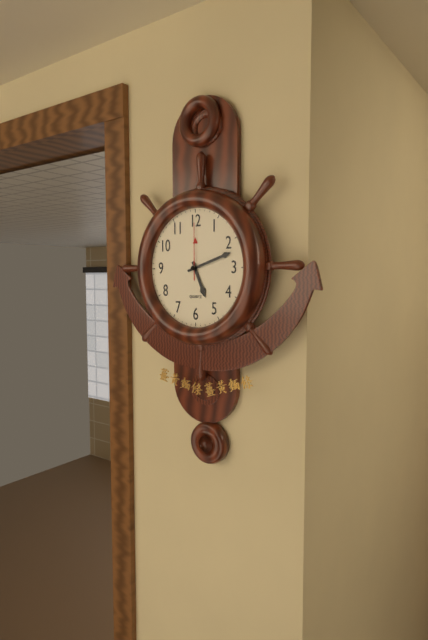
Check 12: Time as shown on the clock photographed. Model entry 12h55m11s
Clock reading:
5h12m00s
